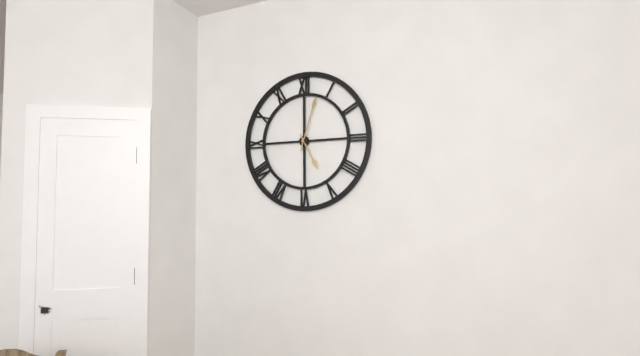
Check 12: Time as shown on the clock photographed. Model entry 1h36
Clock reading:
5h03
